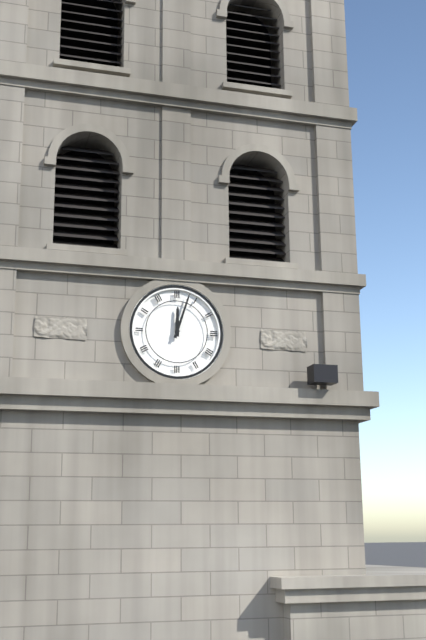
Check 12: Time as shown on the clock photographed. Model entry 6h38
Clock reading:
12h03
